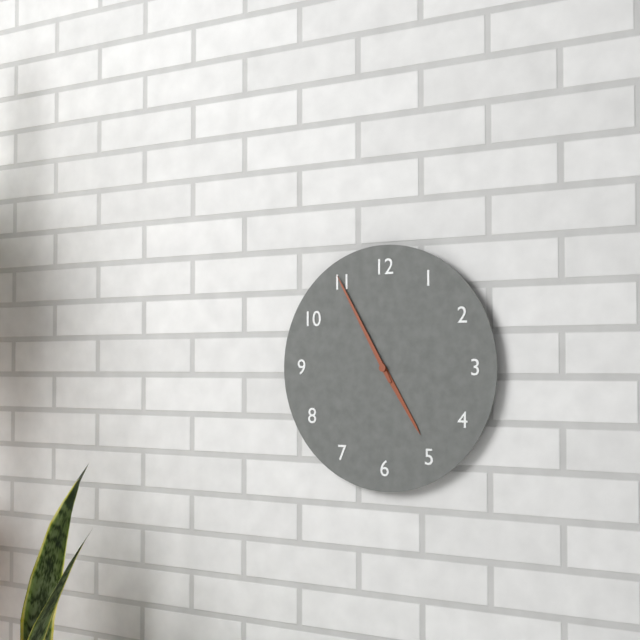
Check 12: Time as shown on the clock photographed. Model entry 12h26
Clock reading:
4h55
